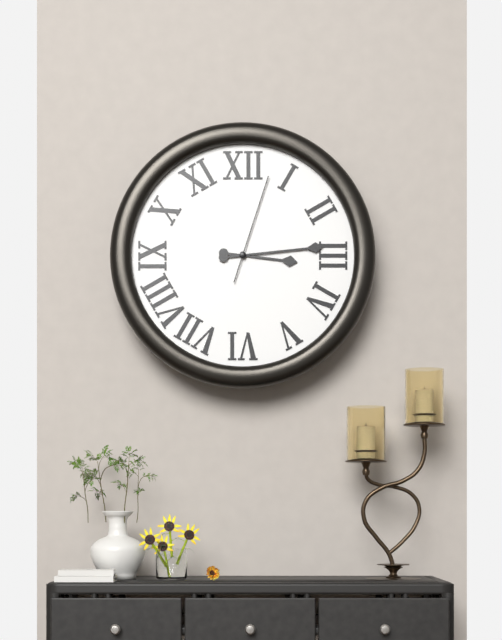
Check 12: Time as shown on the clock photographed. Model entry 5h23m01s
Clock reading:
3h14m03s
